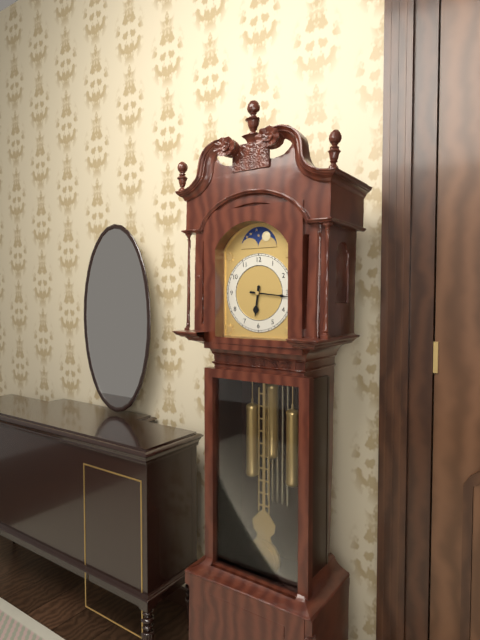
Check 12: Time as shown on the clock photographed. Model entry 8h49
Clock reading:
6h16
